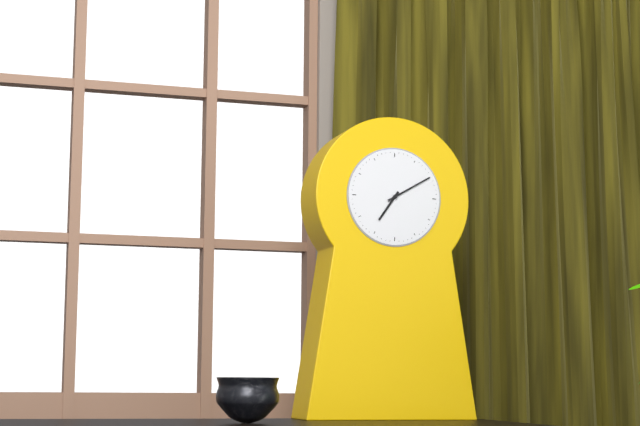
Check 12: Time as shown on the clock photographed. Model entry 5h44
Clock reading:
7h10
